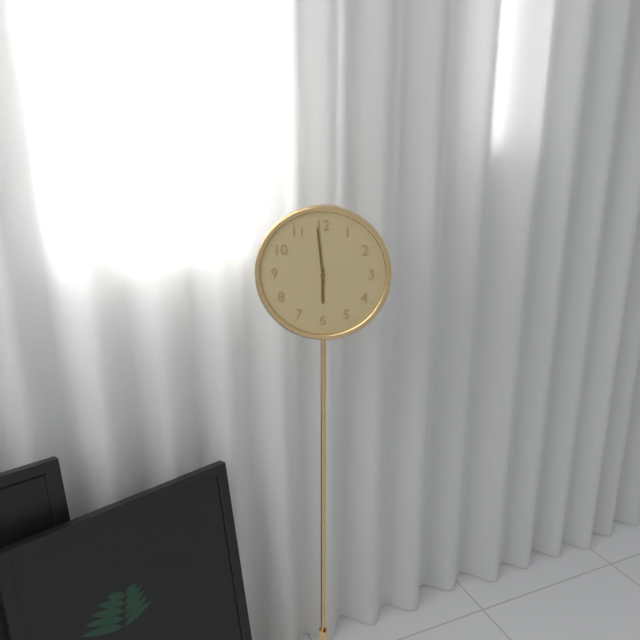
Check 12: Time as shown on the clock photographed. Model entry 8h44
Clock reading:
5h59
